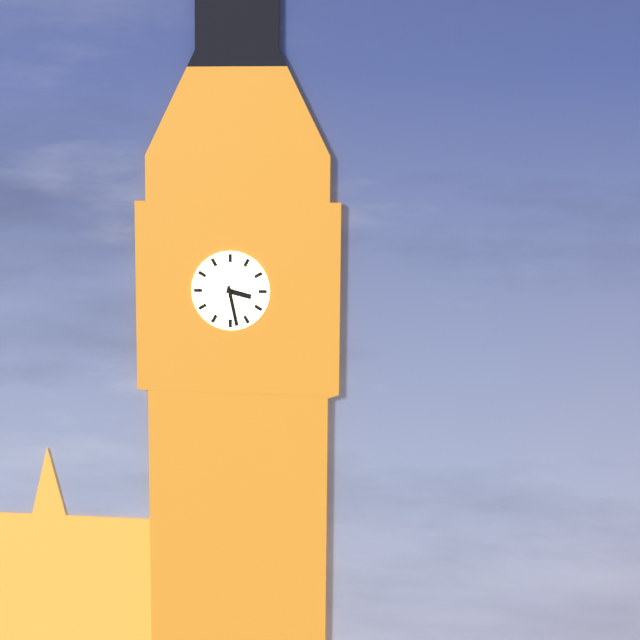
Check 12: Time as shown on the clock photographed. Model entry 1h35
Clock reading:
3h28
